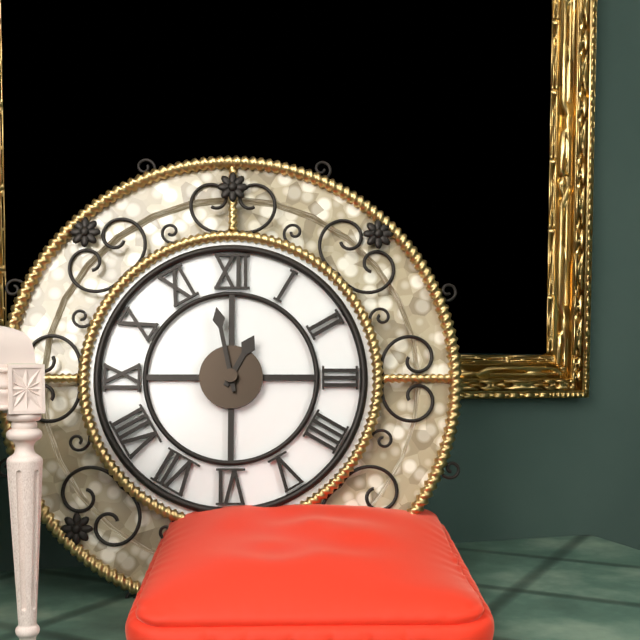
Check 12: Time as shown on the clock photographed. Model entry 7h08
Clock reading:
12h58
